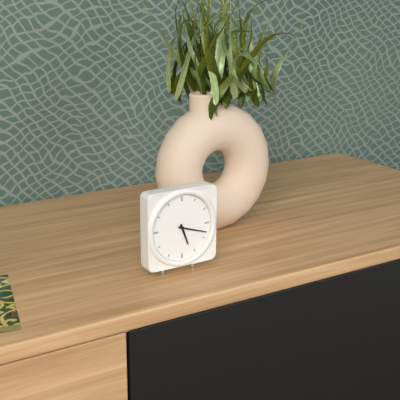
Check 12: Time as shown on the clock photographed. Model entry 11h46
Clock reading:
5h18
